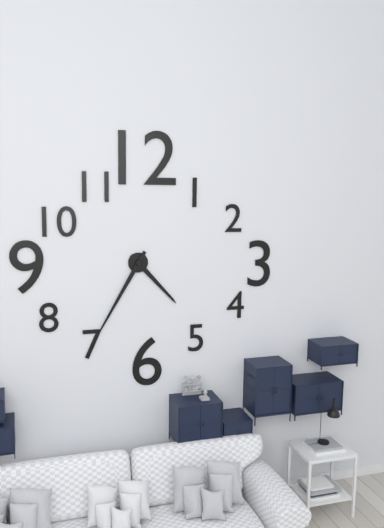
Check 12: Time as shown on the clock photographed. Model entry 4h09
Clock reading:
4h35
